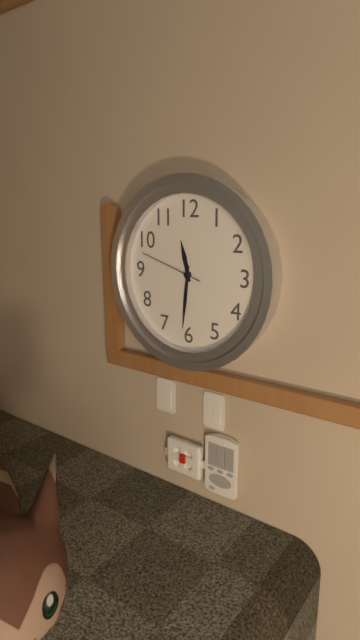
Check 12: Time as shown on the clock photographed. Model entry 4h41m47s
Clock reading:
11h31m48s
